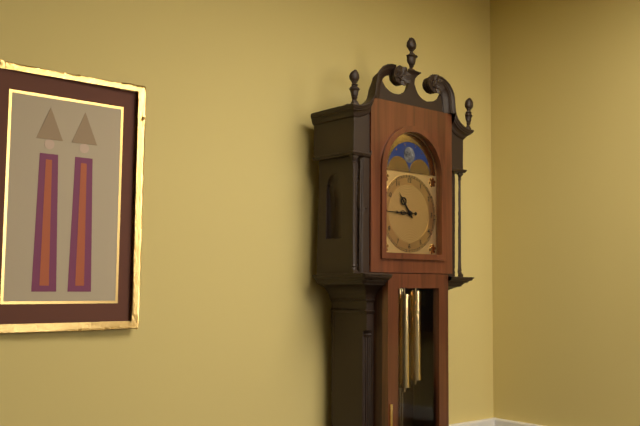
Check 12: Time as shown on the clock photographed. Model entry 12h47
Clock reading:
10h45
